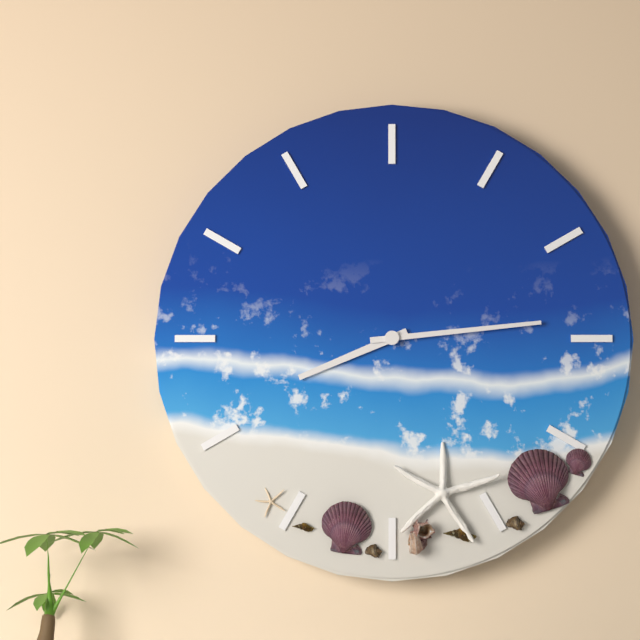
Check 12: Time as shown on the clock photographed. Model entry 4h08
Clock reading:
8h14
